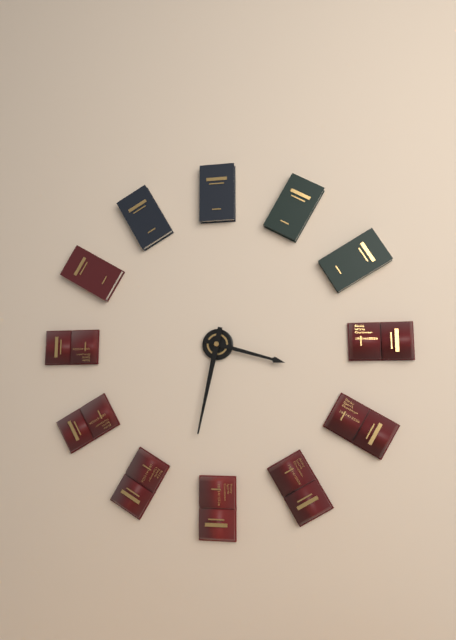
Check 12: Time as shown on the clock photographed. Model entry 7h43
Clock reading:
3h32
